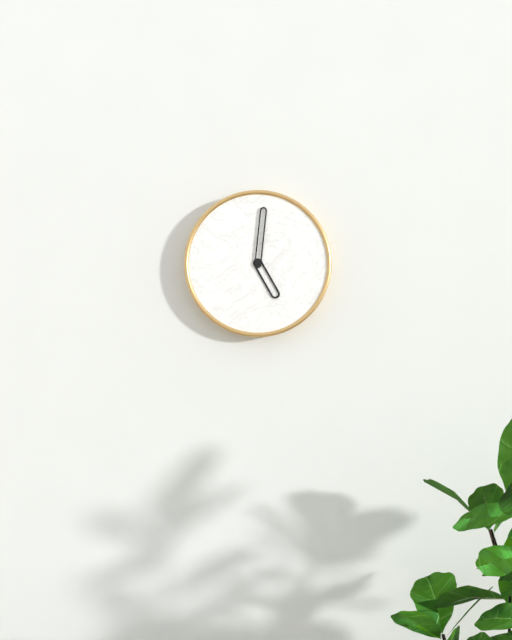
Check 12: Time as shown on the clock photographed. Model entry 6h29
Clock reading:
5h01
